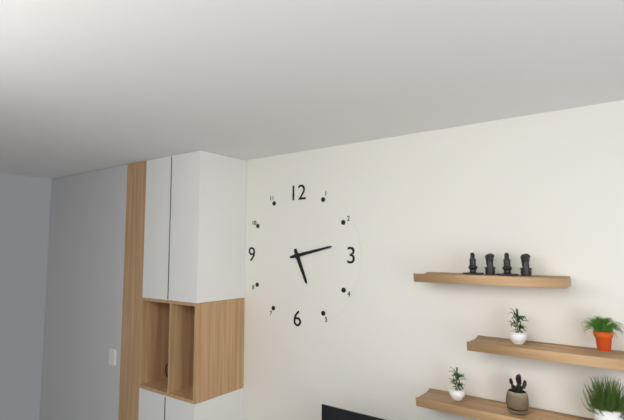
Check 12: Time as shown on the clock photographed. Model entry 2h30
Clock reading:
5h13
